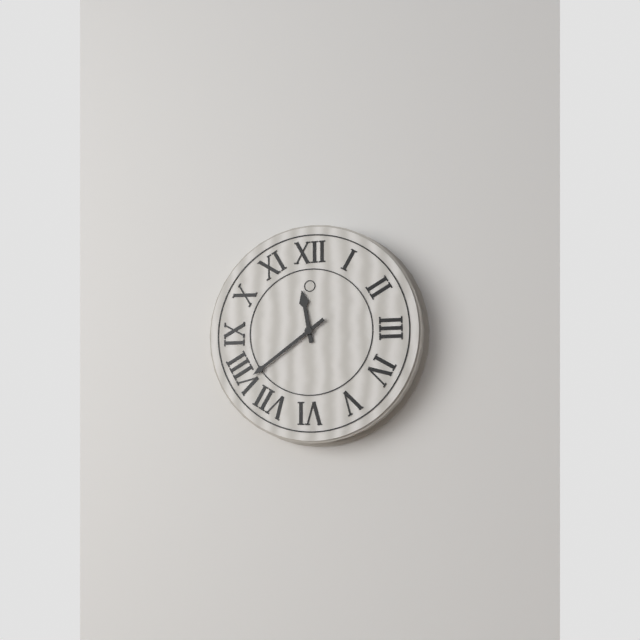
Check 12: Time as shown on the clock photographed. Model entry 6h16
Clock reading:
11h39
